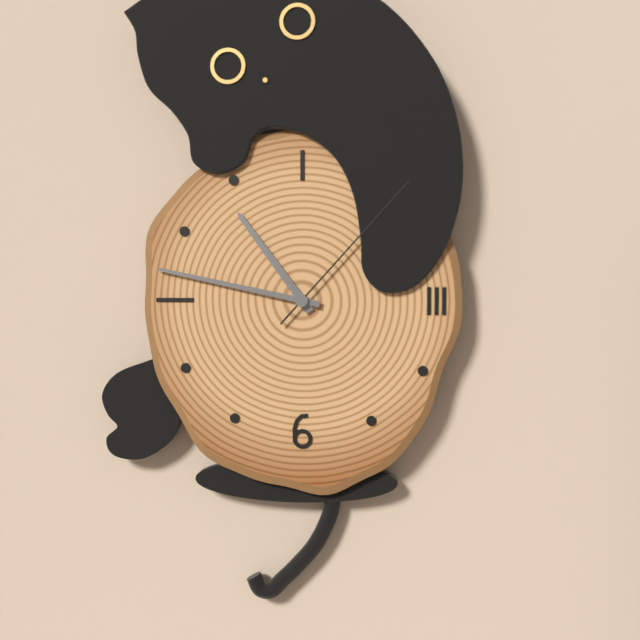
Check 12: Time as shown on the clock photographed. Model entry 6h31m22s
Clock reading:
10h47m07s
